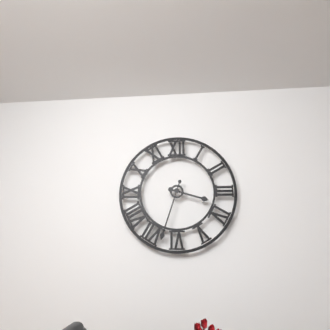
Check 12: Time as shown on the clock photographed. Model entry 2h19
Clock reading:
3h33
